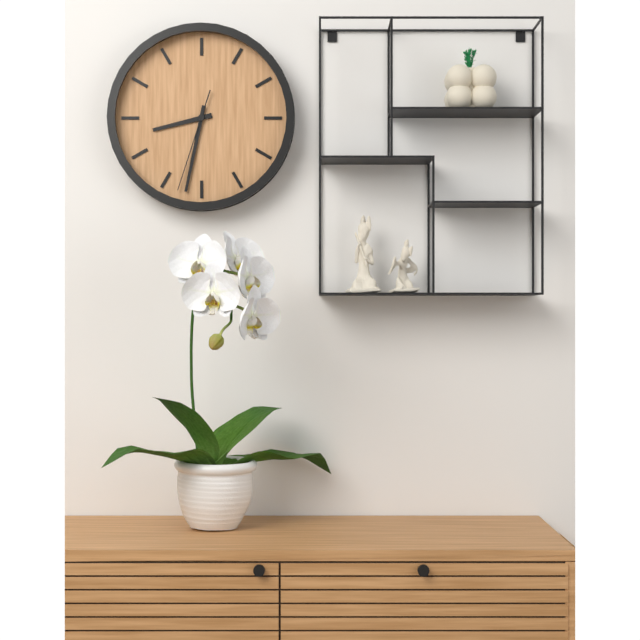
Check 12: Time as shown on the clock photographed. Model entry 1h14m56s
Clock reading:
8h32m33s
